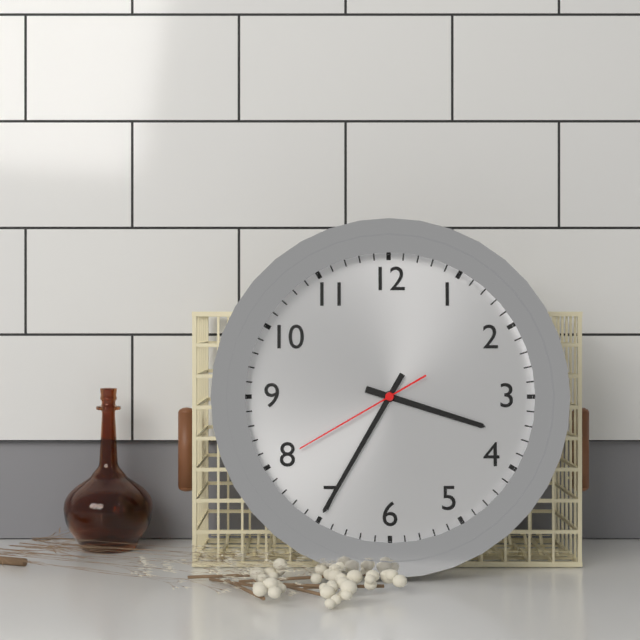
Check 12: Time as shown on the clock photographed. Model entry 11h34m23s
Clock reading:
3h35m40s
